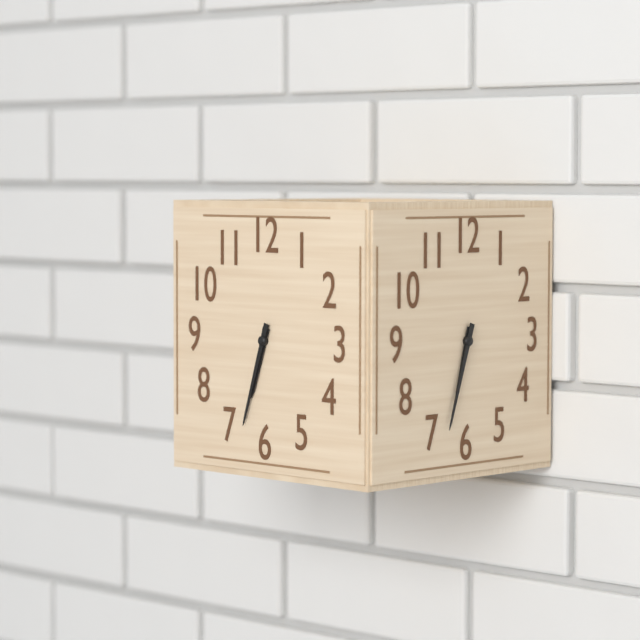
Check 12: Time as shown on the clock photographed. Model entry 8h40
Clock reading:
6h33
